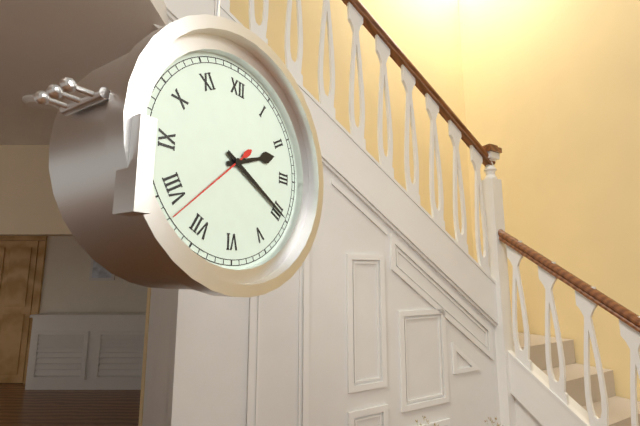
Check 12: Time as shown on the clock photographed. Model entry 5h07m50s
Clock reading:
2h20m38s
